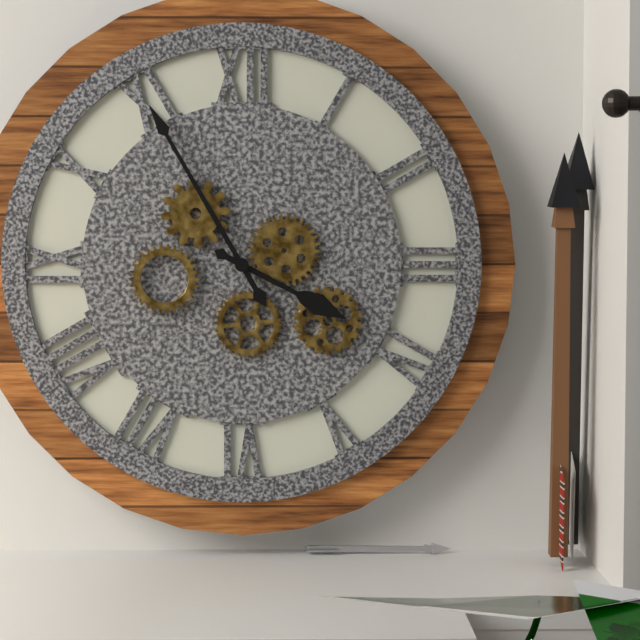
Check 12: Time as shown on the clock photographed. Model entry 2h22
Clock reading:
3h55
